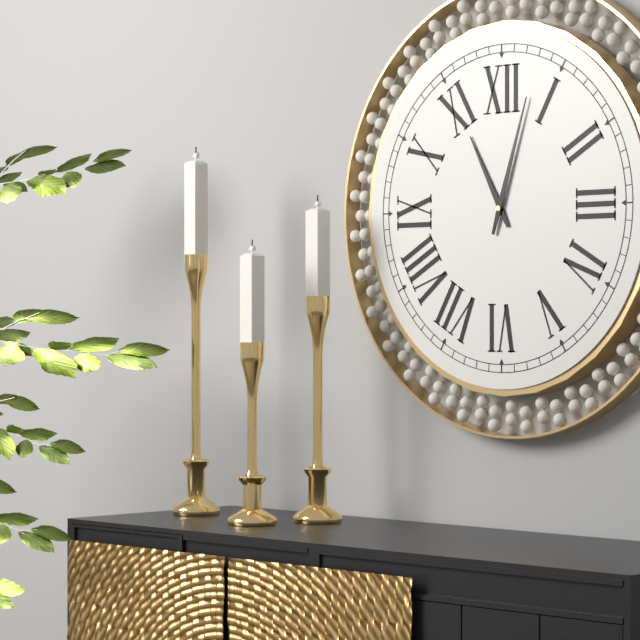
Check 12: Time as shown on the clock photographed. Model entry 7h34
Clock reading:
11h03
